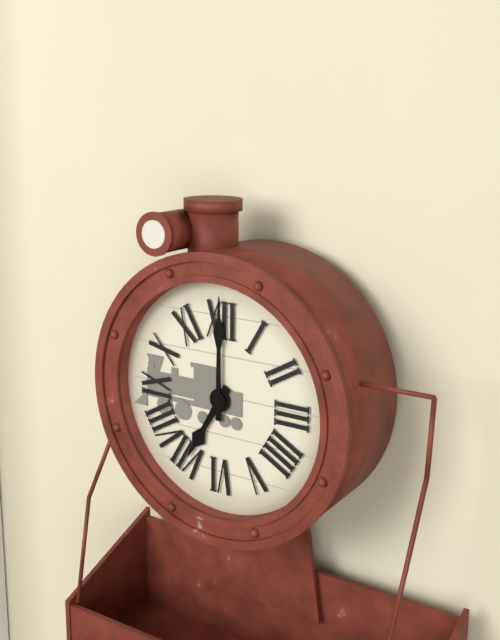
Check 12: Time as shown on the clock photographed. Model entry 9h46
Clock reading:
7h00
